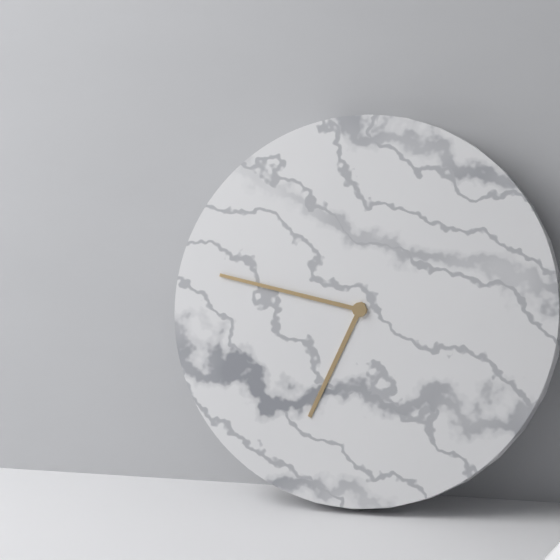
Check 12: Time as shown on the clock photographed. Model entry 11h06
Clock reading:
6h47
